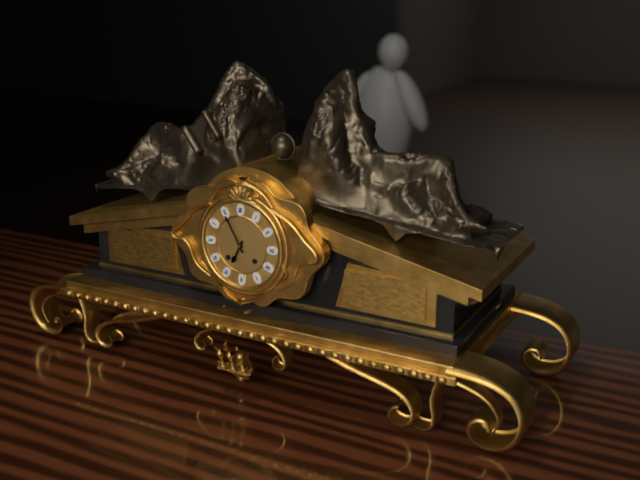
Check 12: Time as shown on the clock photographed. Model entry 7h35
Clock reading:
6h55
